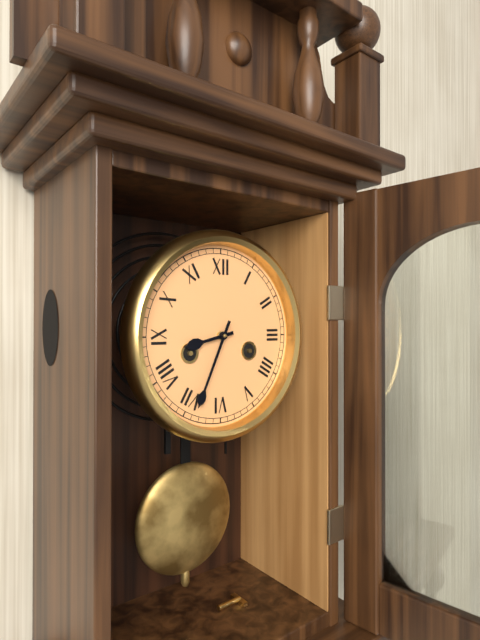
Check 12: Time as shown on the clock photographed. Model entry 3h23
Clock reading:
8h34
